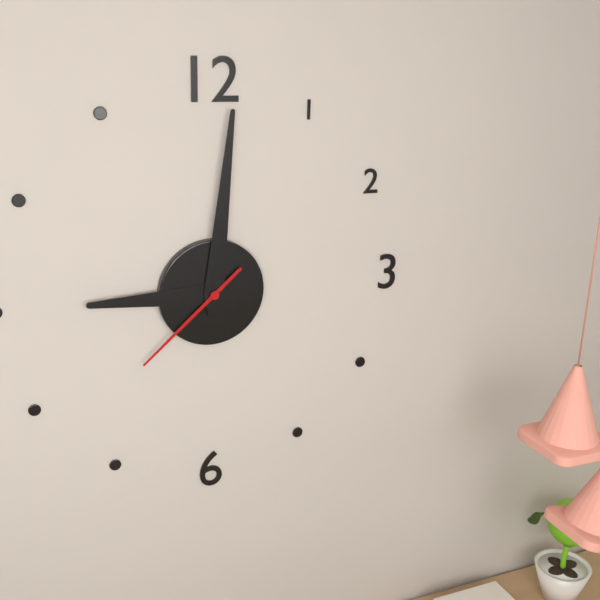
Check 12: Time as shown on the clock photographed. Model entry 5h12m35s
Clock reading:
9h01m38s
